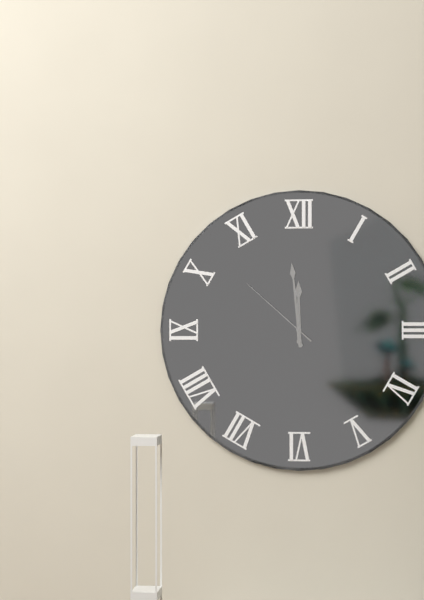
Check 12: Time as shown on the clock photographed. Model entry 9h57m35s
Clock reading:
11h59m52s
